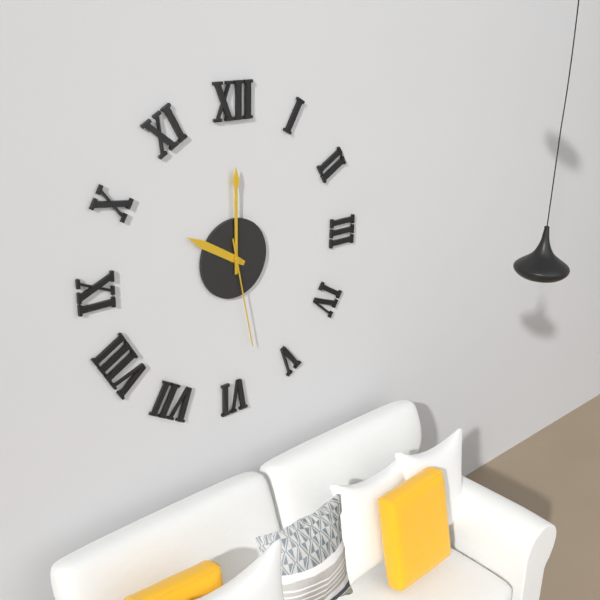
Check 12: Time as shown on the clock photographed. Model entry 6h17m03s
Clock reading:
10h00m28s
